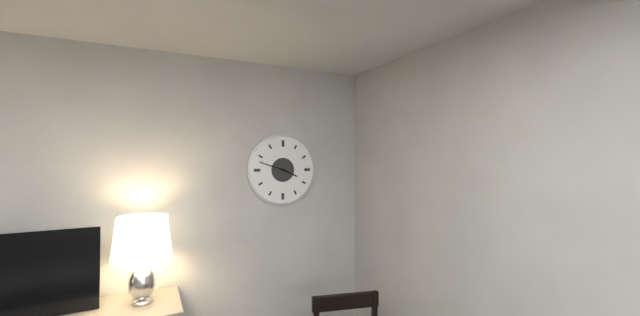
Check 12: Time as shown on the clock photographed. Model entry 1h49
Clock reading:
3h48
